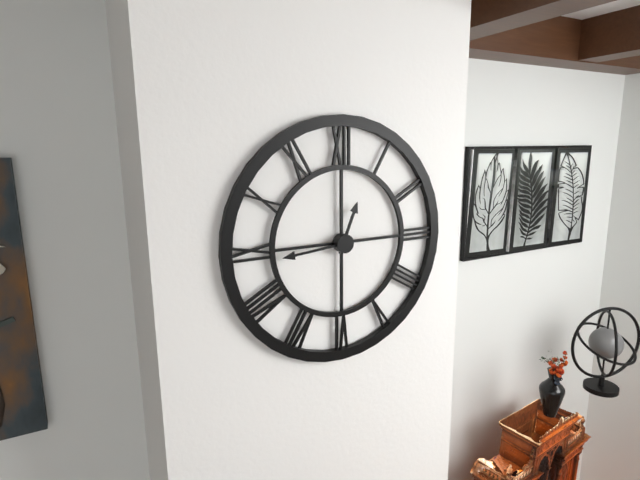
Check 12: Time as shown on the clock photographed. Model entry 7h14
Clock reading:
12h44
